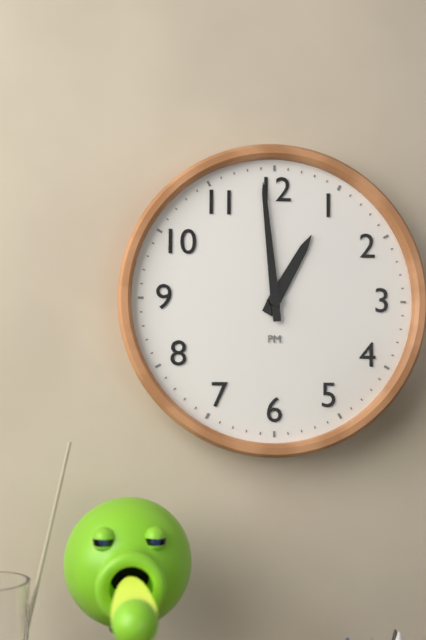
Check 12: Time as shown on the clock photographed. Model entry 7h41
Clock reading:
12h59
